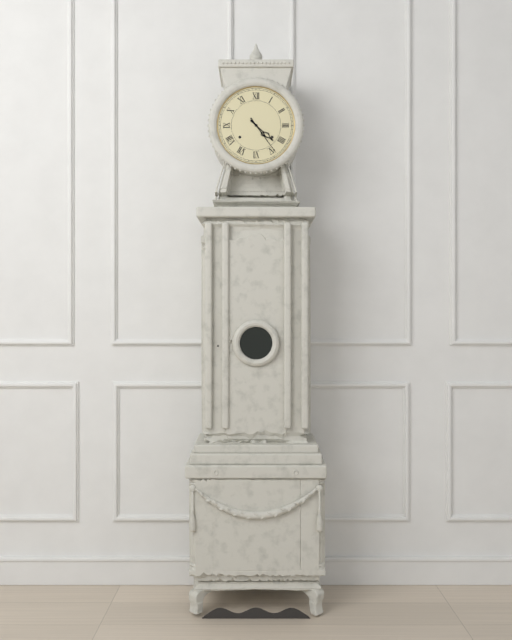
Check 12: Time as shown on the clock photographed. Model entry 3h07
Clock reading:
4h24
